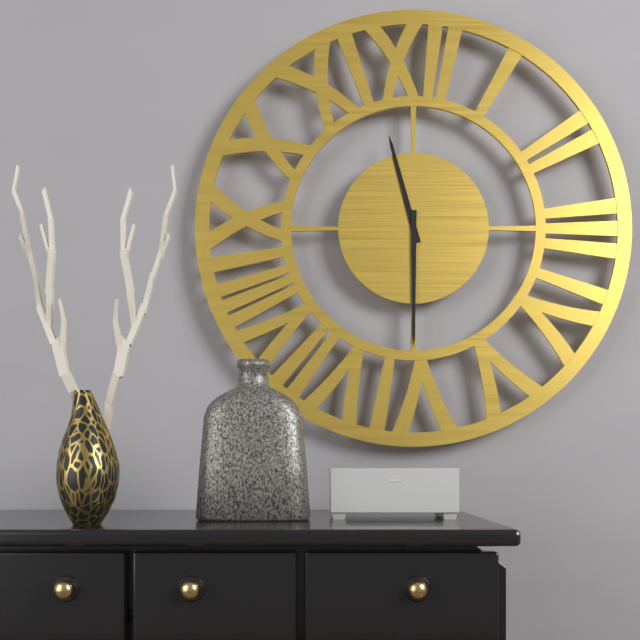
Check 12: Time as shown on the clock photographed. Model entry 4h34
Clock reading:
11h30
